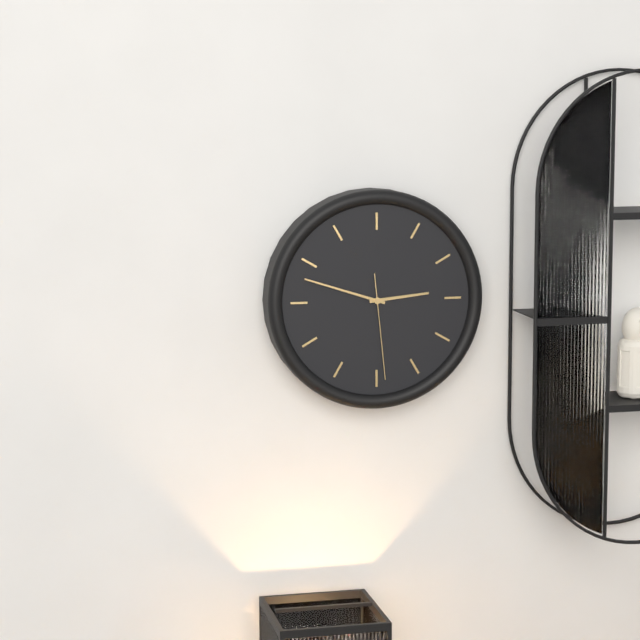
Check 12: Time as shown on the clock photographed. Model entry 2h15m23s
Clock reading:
2h48m29s
